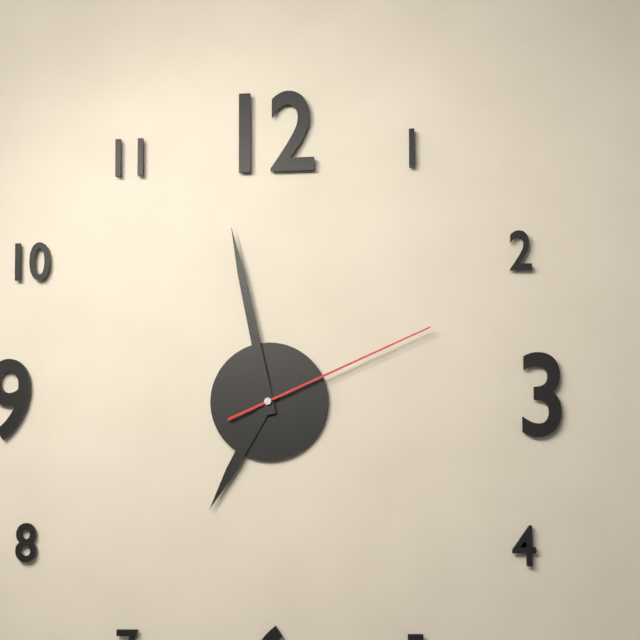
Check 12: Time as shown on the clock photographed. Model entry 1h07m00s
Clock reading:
6h58m11s
